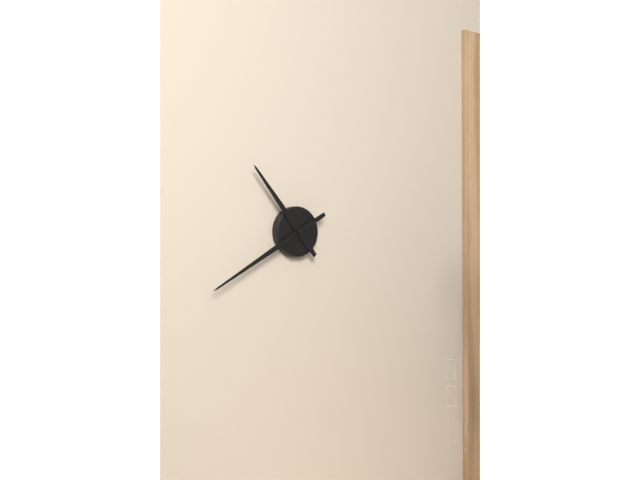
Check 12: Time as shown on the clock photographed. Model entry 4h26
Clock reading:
10h40
